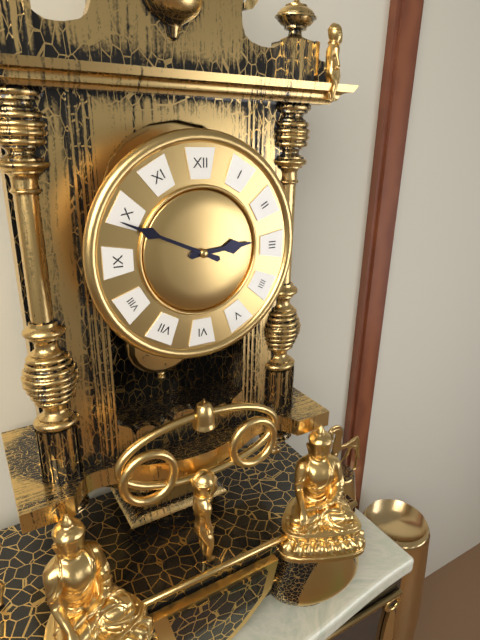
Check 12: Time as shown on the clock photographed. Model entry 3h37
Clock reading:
2h49
